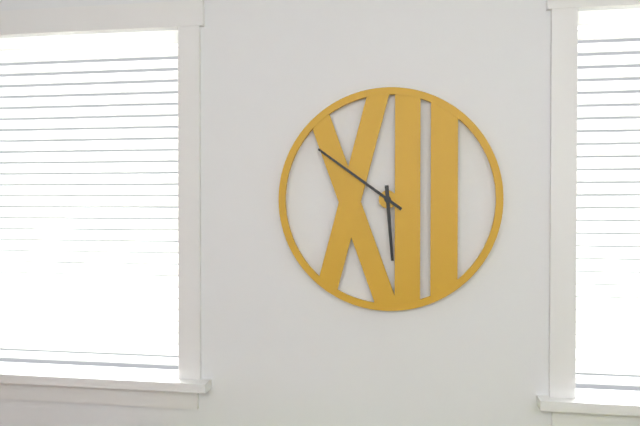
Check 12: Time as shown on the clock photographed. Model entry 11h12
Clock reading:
5h51
